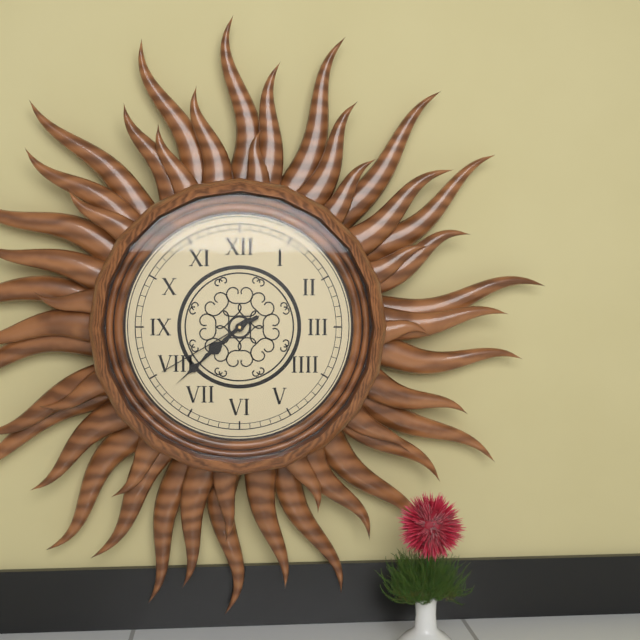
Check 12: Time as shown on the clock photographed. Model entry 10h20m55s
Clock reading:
7h38m40s
